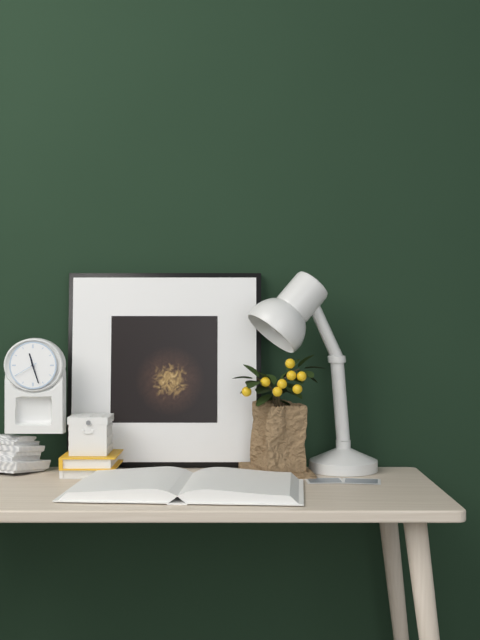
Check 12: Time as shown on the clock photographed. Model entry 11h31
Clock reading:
11h27
